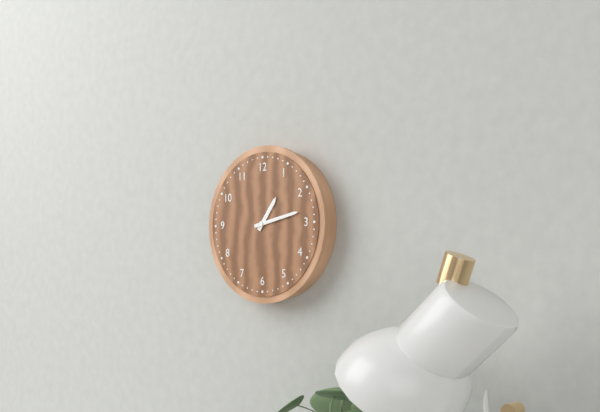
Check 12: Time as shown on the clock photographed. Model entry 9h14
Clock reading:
1h13
